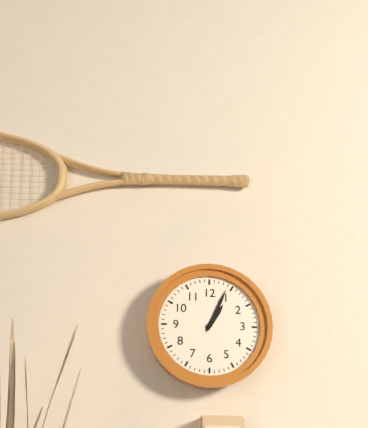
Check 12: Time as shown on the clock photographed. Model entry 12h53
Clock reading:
1h04
